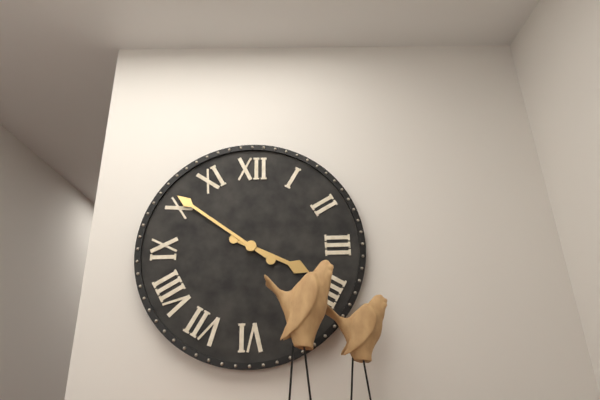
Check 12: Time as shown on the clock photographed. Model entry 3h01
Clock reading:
3h51
